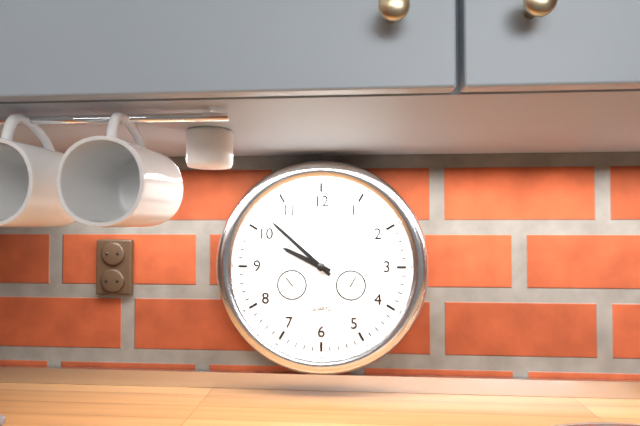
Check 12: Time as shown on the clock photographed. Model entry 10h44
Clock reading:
9h52
